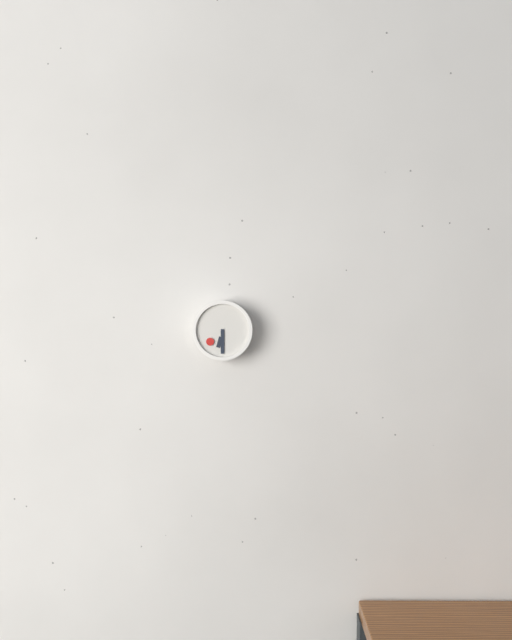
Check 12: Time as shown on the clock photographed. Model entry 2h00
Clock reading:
6h30
